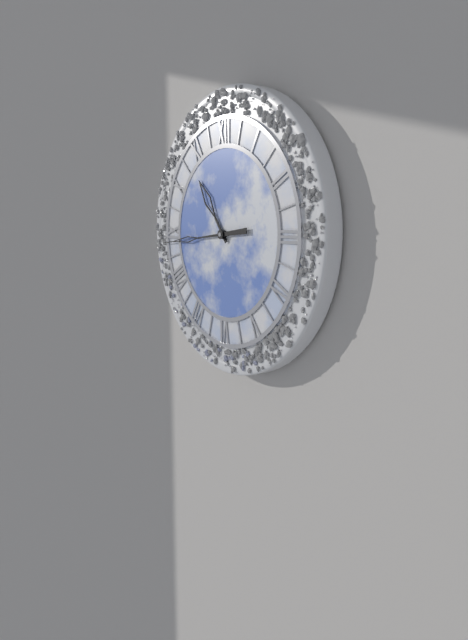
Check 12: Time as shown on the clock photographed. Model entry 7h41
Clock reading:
10h44
